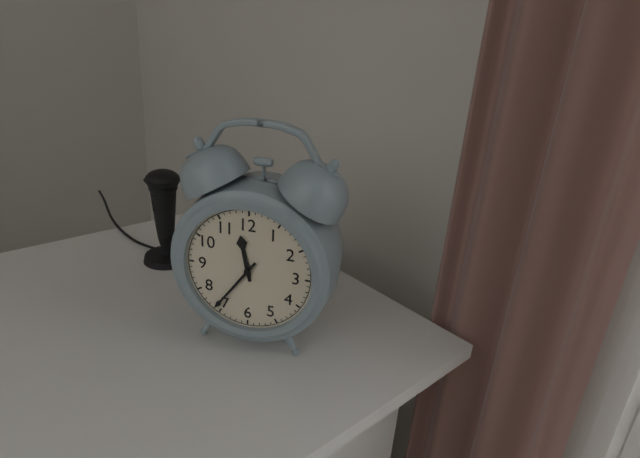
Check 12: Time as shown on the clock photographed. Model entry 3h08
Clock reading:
11h36
